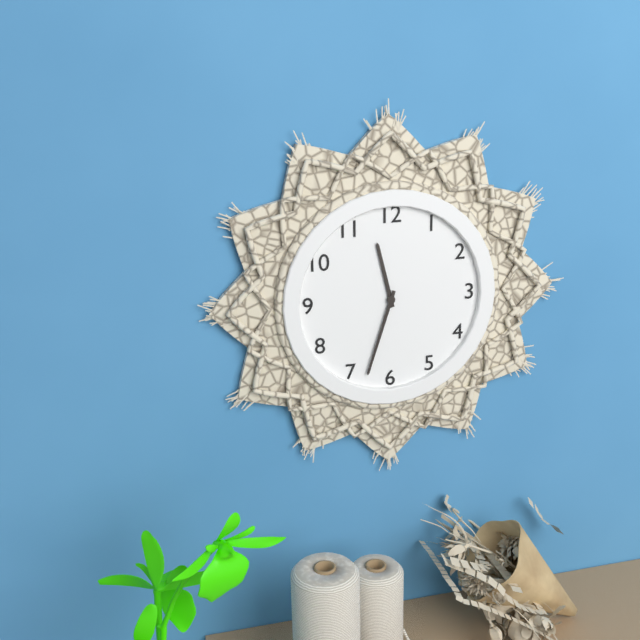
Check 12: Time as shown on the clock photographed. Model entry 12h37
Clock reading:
11h33
